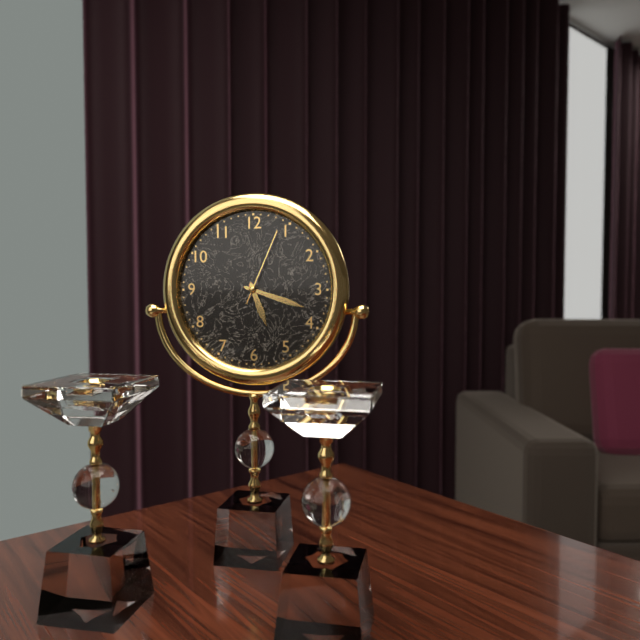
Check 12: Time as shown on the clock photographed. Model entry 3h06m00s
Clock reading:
5h18m04s
